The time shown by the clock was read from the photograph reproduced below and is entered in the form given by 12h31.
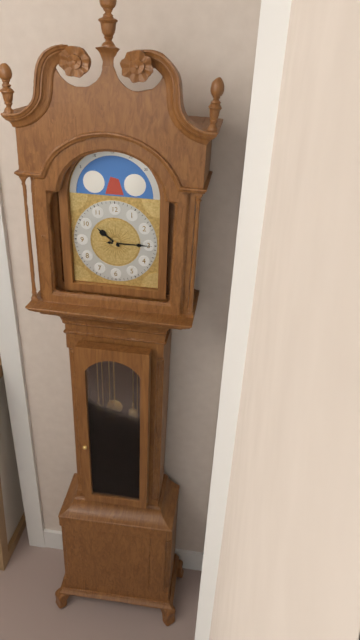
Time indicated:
10h15
